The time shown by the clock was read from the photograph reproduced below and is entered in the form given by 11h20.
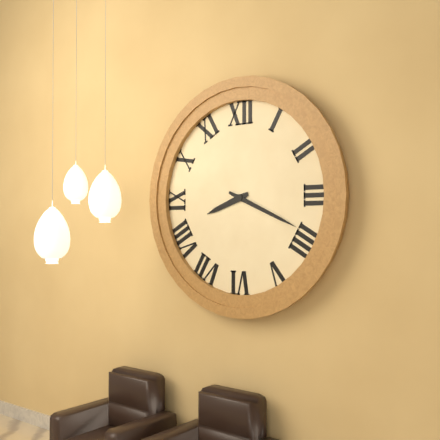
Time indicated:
8h19
